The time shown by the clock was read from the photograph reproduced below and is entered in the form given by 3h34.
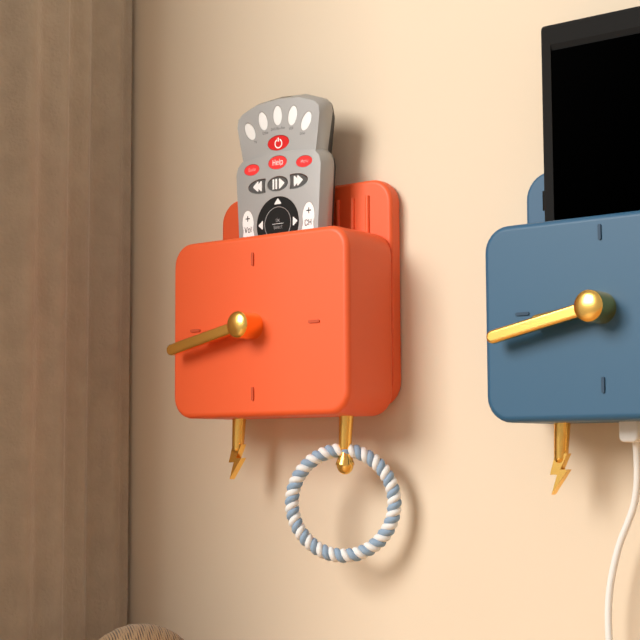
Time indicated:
8h43
